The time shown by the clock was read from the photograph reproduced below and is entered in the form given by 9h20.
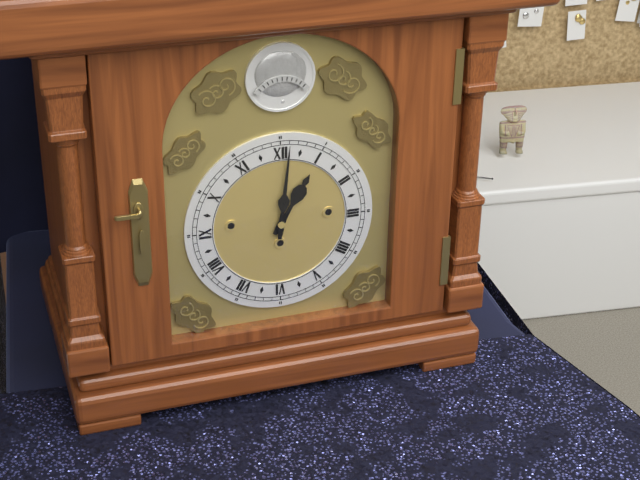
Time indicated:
1h01
